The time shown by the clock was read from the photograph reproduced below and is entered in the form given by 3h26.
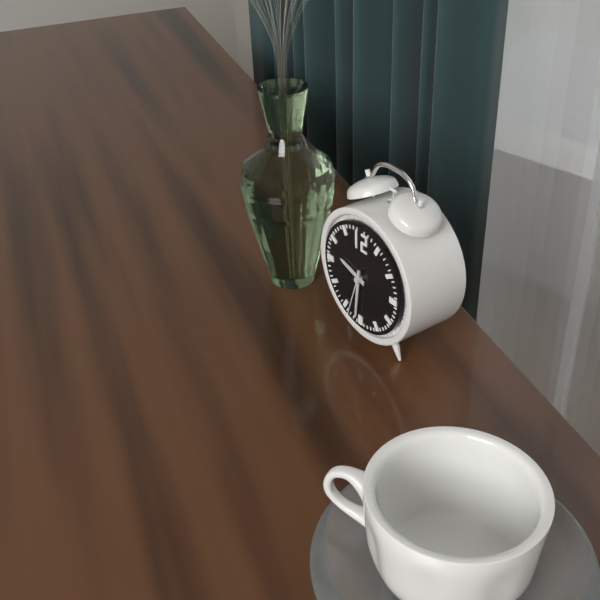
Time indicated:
9h31
